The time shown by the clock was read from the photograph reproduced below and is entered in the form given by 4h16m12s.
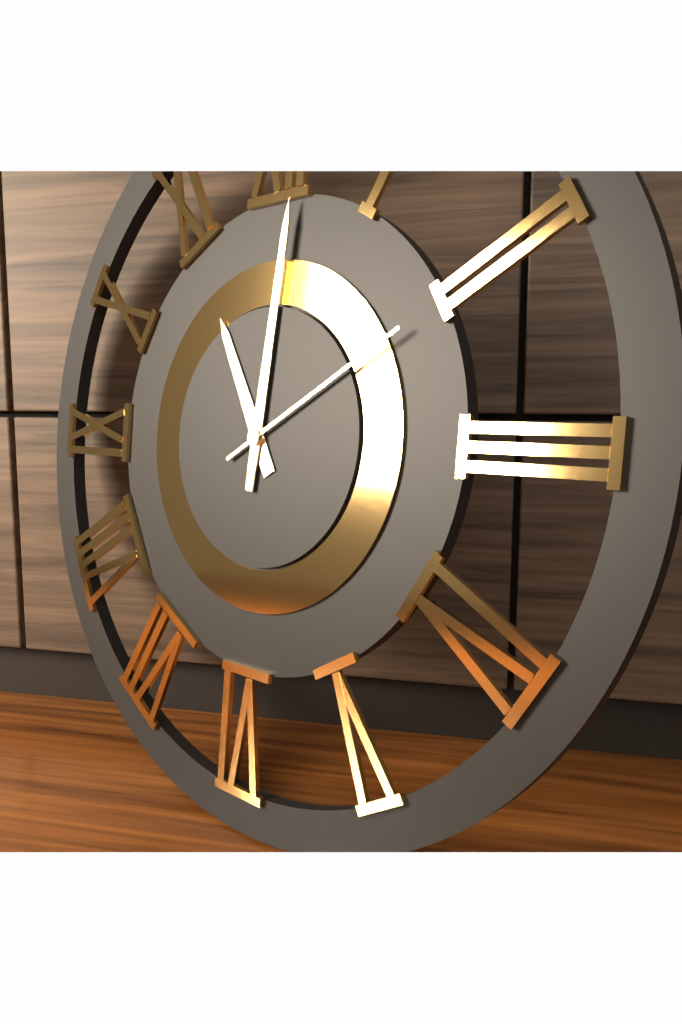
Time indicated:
11h01m10s
